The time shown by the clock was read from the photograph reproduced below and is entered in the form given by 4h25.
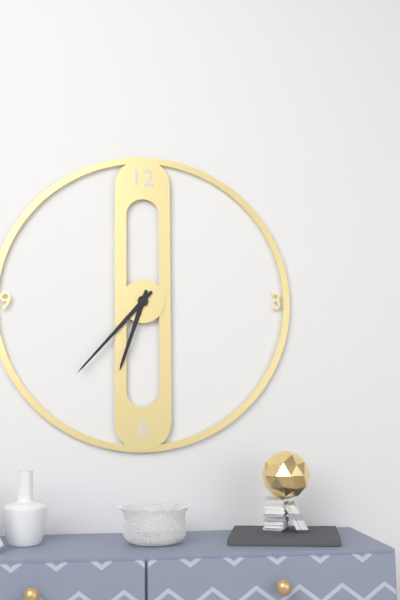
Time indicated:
6h37
